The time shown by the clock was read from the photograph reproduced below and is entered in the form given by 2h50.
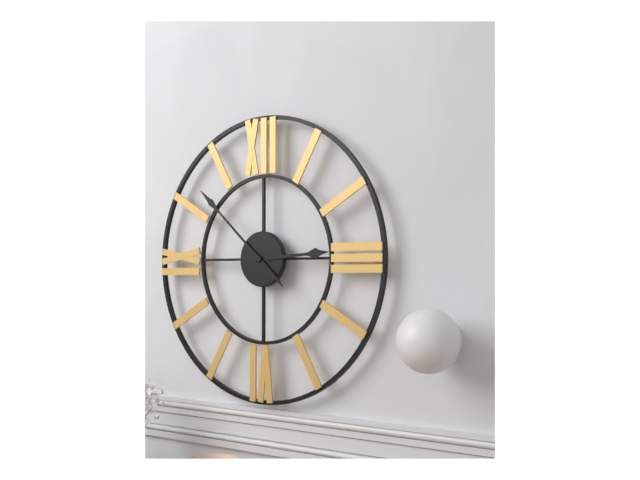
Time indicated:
2h52
